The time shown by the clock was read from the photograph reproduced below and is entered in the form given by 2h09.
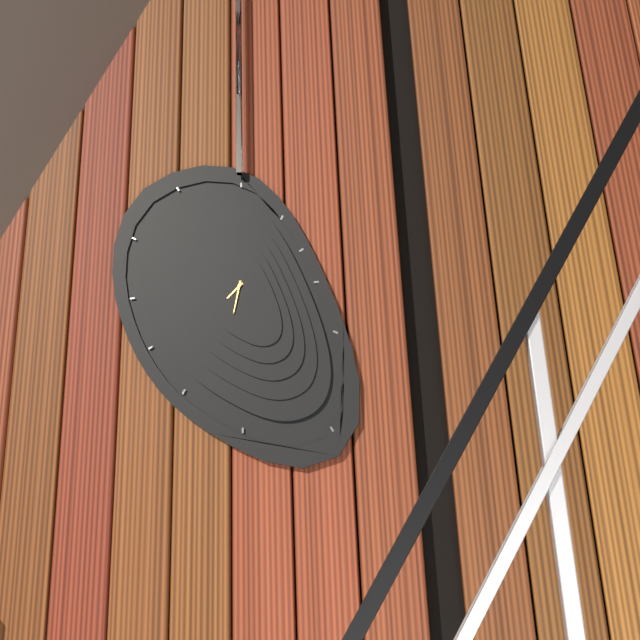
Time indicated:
7h32
